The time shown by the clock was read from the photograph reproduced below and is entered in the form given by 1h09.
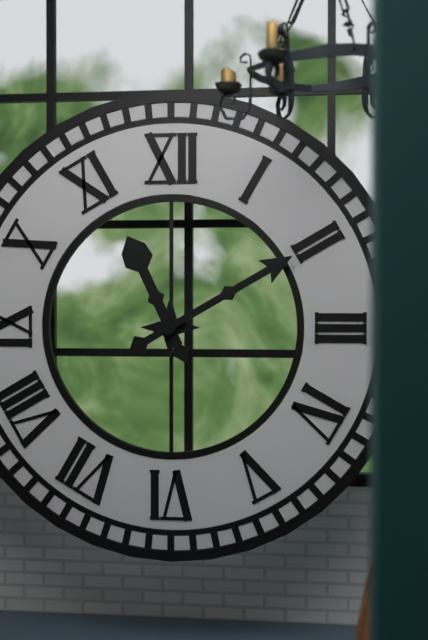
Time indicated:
11h10
